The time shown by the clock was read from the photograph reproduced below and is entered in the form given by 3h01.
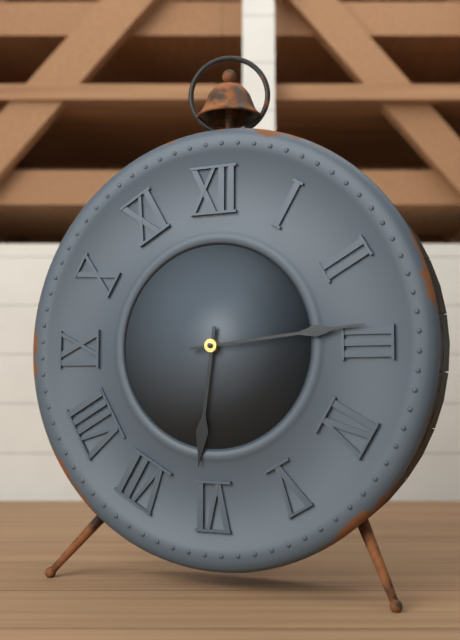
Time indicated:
6h14
